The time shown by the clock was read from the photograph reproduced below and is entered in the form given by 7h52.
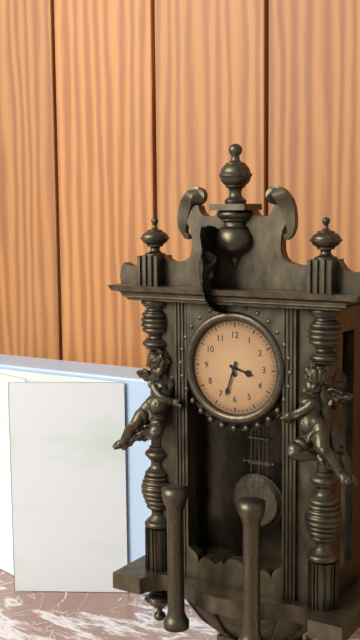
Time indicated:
3h33
